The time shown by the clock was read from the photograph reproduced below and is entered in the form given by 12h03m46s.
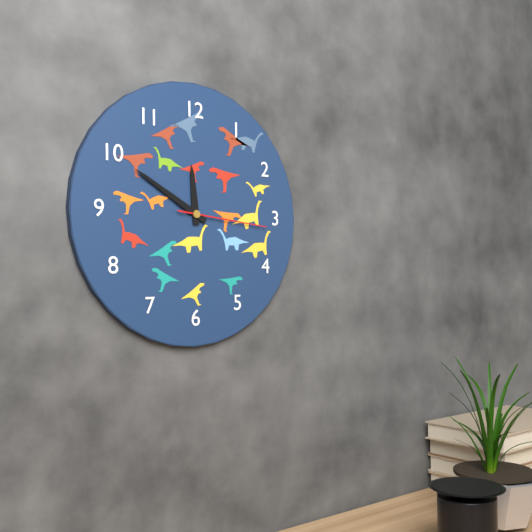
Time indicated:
11h50m16s
